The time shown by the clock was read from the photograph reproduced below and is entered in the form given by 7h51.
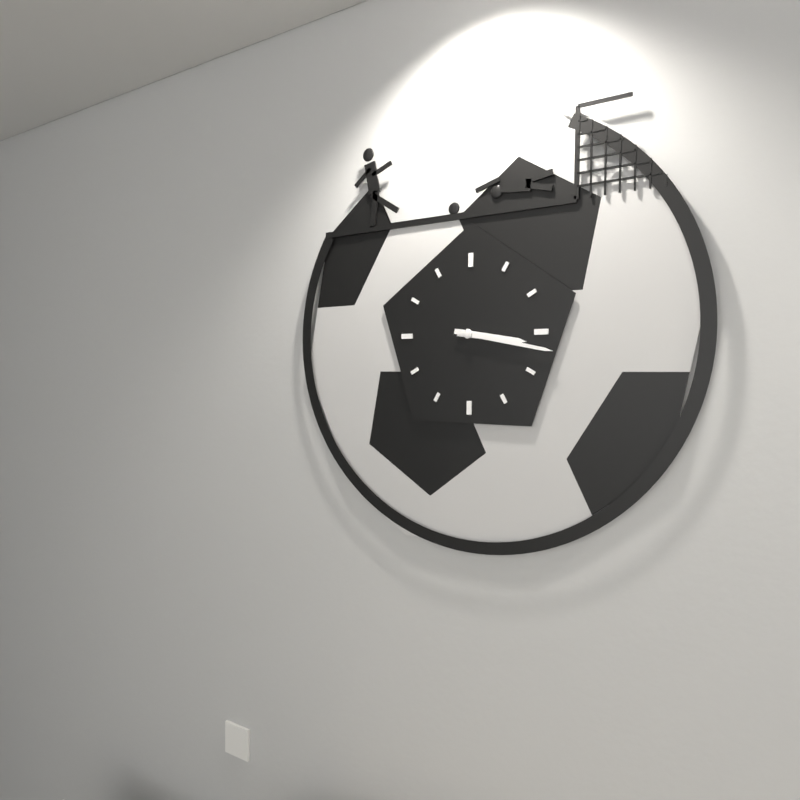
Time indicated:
3h17
